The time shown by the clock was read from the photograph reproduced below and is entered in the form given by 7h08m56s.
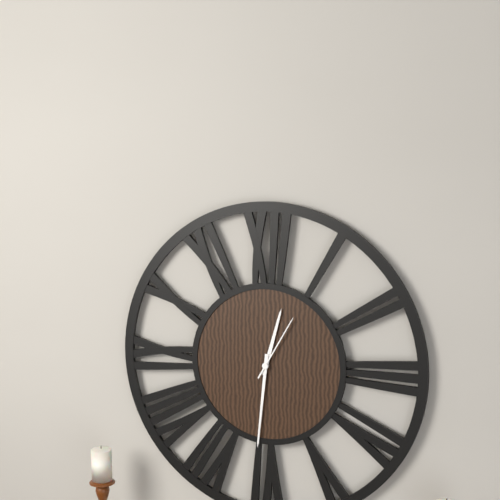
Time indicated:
12h31m05s
